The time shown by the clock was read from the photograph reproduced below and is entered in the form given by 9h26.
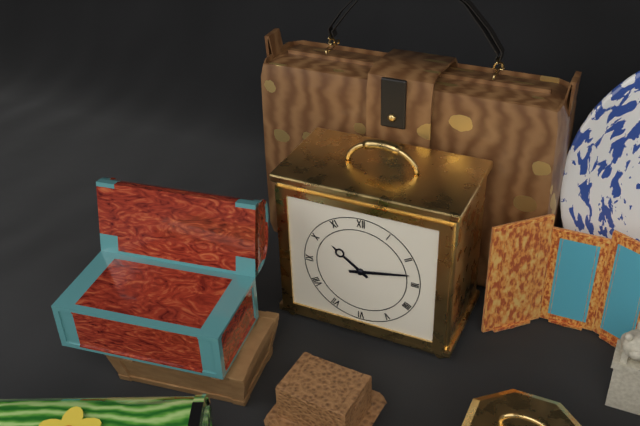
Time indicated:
10h13
